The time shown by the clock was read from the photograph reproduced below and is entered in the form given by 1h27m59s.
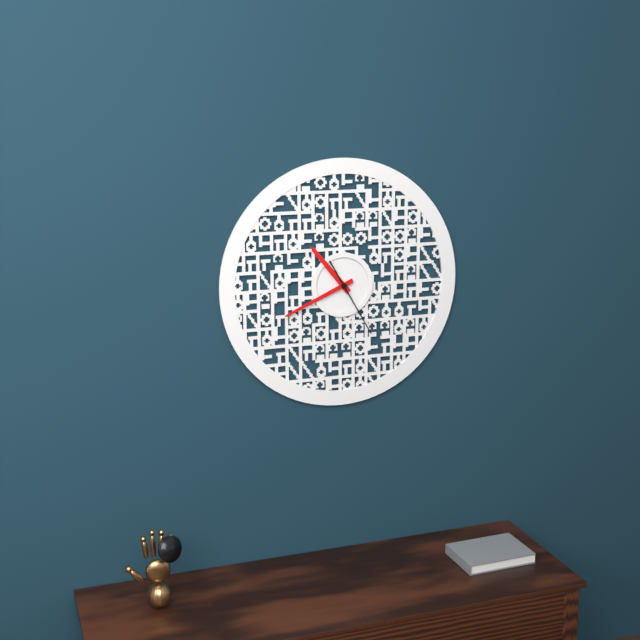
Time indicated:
10h41m25s
